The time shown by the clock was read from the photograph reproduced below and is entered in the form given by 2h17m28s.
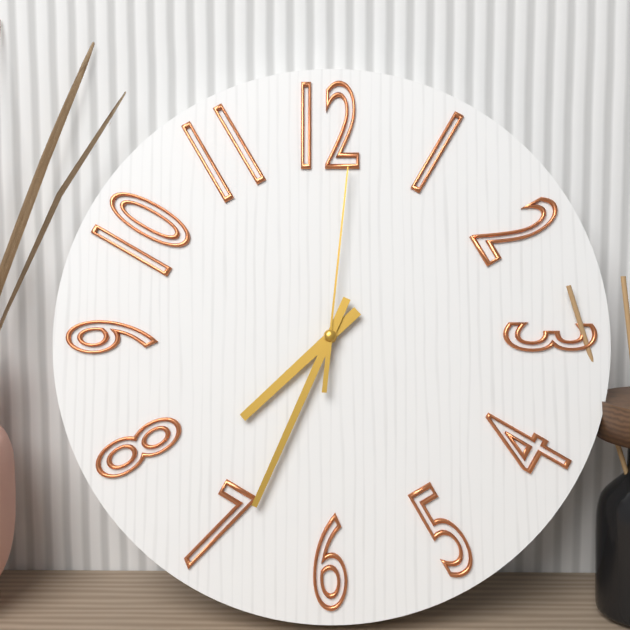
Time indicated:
7h34m01s
